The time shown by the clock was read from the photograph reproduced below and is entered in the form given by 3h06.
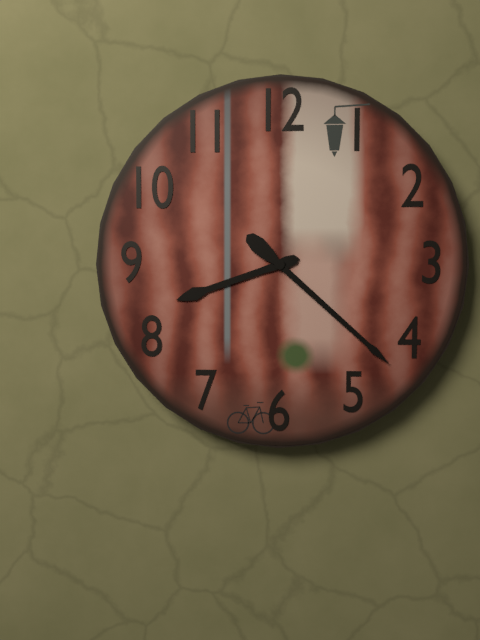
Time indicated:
8h22
